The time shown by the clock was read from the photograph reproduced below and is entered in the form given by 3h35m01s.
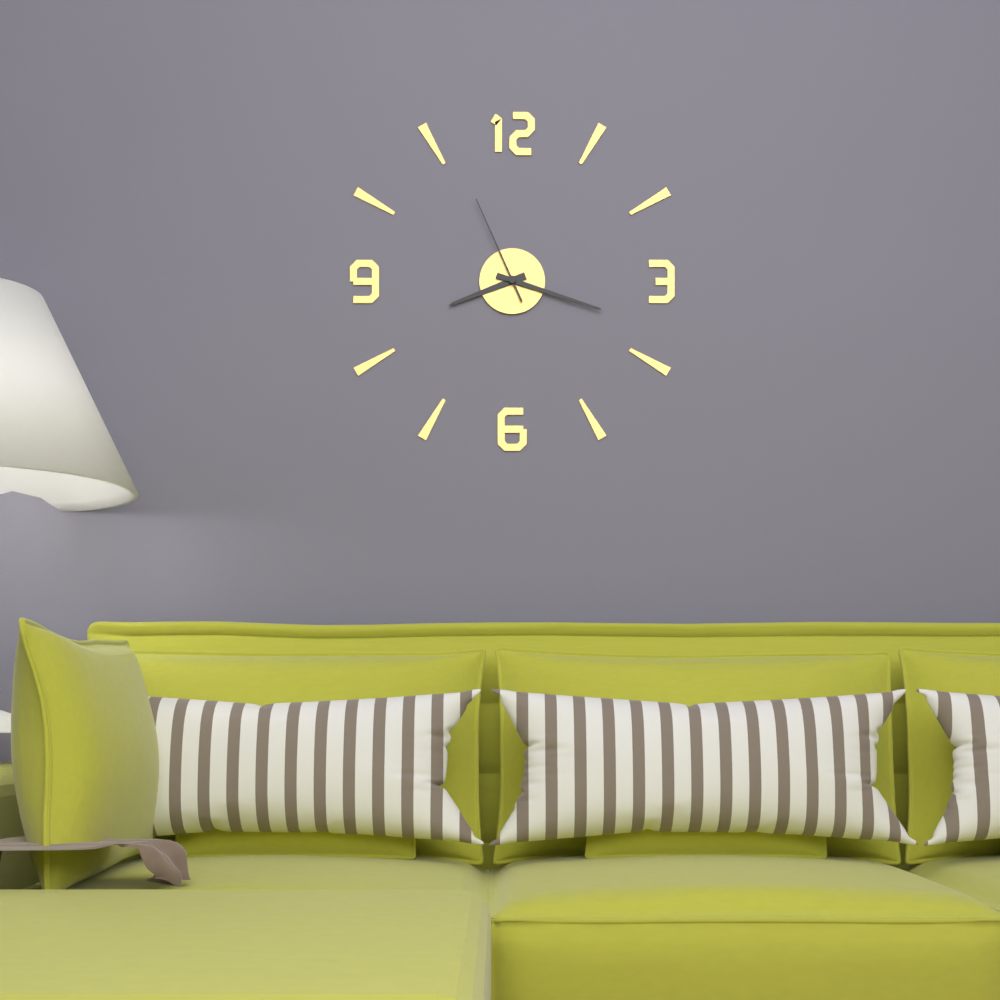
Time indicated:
8h18m56s
